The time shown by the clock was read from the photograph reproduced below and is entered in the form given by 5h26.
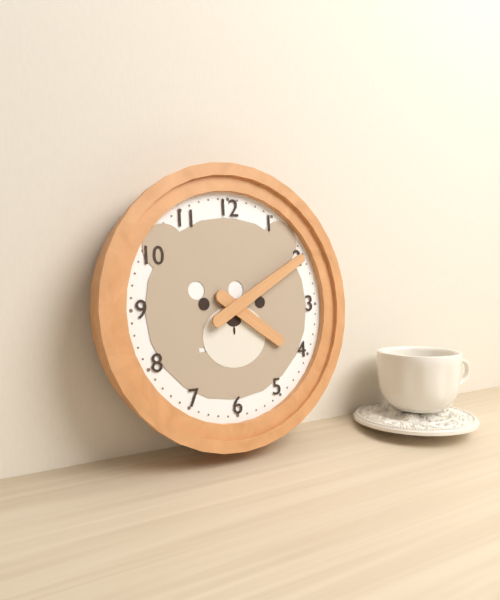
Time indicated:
4h10
